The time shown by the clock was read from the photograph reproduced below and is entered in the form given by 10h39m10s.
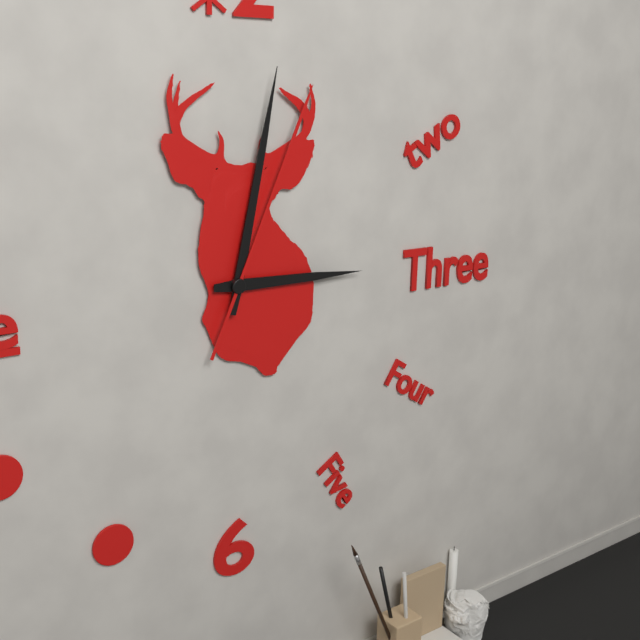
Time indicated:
3h02m04s
